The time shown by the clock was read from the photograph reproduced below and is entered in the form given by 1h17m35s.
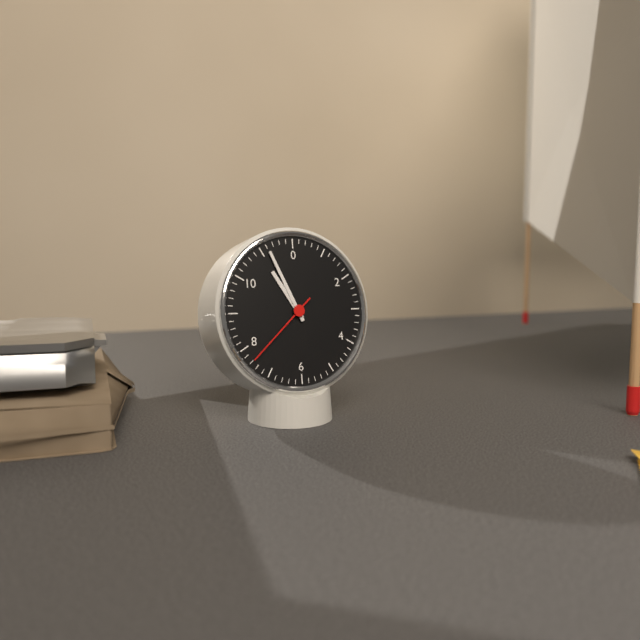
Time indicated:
10h56m38s
